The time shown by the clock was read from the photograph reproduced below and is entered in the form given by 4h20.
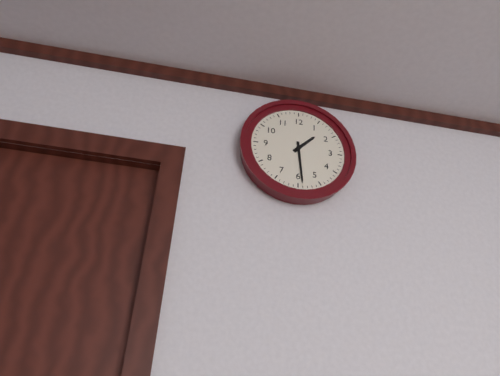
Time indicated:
1h29
